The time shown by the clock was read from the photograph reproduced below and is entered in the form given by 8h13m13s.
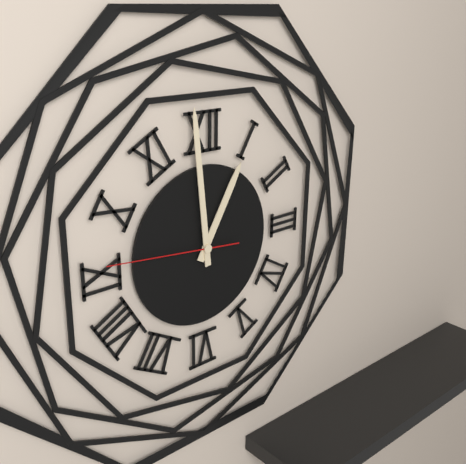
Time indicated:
12h59m46s
